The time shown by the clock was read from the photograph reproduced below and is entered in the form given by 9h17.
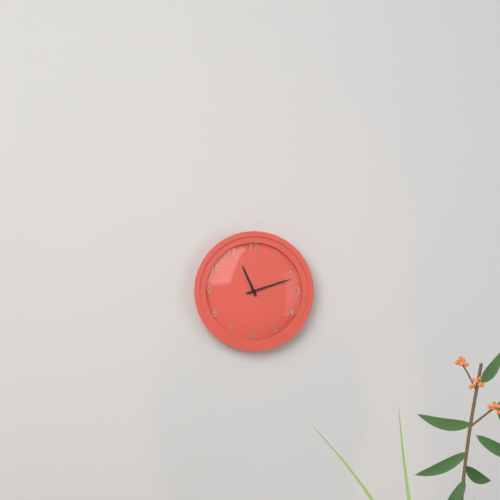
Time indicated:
11h12
